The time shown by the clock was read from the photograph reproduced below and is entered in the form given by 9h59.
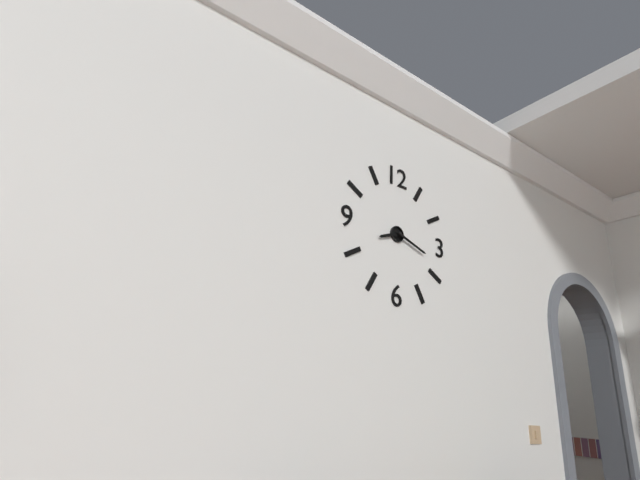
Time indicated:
8h18
